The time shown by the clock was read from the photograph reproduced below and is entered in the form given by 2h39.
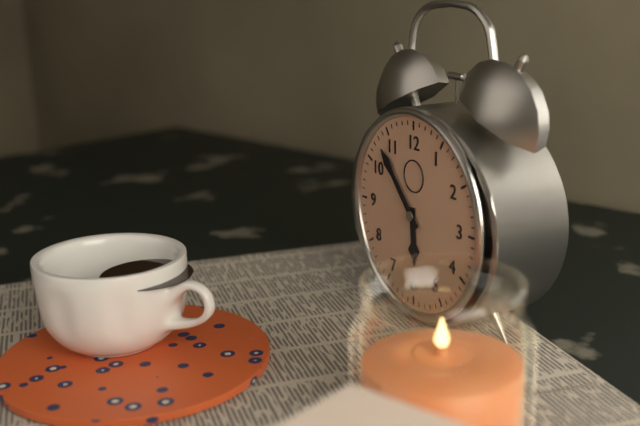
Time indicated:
5h53
